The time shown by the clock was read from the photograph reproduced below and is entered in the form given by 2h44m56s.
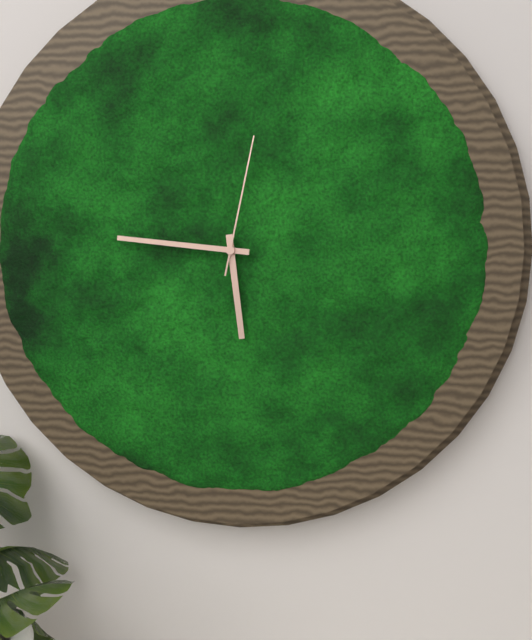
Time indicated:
5h46m02s
